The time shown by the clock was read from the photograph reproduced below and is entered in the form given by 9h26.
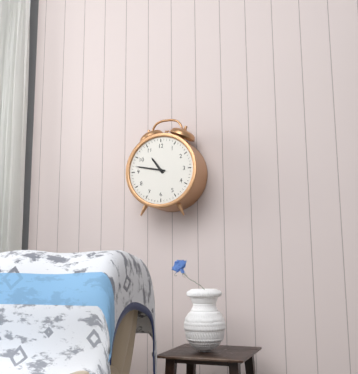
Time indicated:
10h47
